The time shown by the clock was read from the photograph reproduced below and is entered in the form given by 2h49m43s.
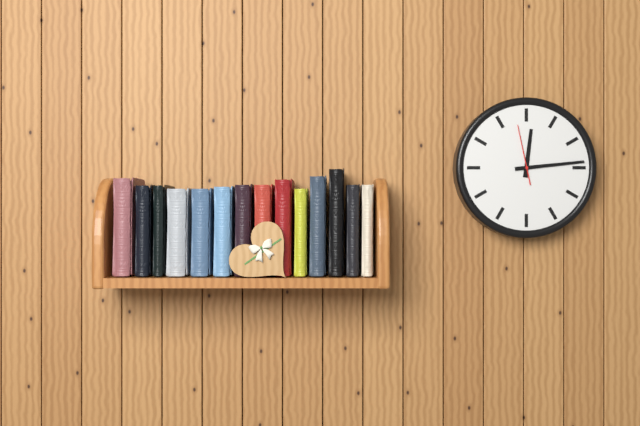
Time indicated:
12h14m58s
